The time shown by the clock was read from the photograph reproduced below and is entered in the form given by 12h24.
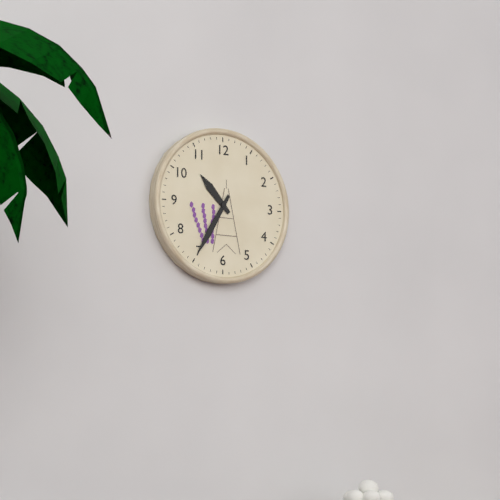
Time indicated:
10h35
